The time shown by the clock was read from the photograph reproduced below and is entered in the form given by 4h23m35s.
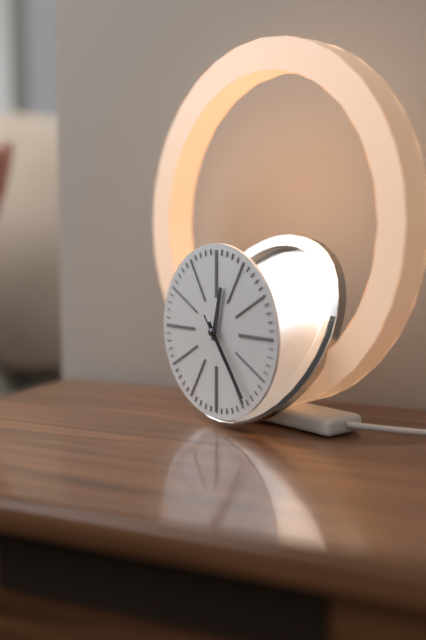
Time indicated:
12h24m24s
